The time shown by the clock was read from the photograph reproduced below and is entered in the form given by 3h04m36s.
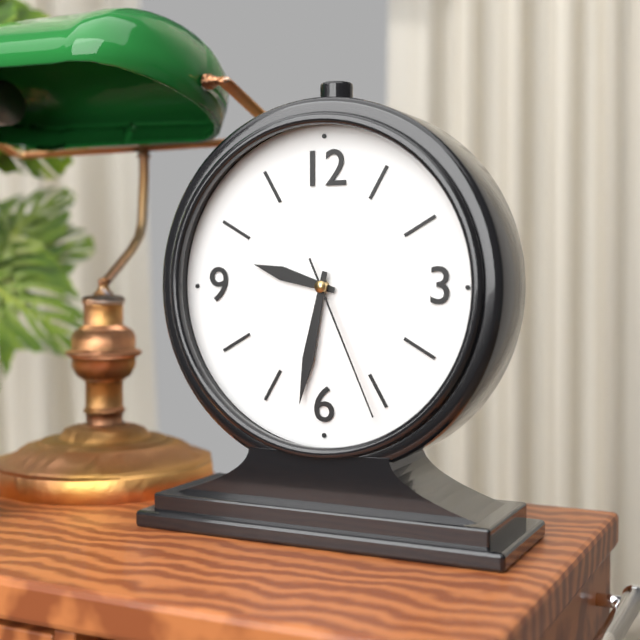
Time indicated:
9h32m26s
